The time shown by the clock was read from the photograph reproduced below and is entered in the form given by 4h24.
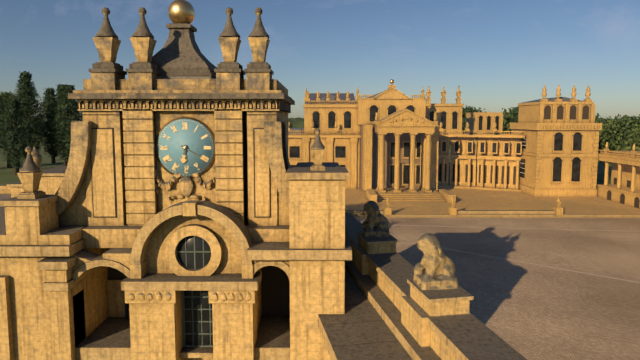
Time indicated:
6h20
